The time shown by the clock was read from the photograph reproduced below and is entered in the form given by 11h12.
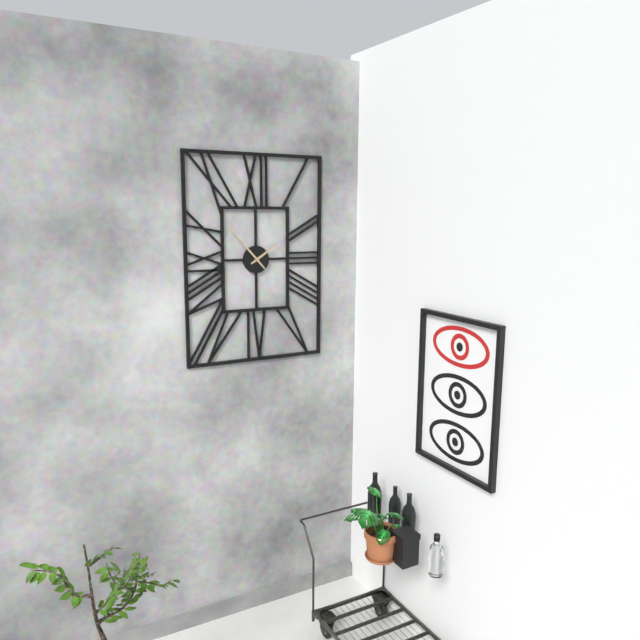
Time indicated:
1h53
